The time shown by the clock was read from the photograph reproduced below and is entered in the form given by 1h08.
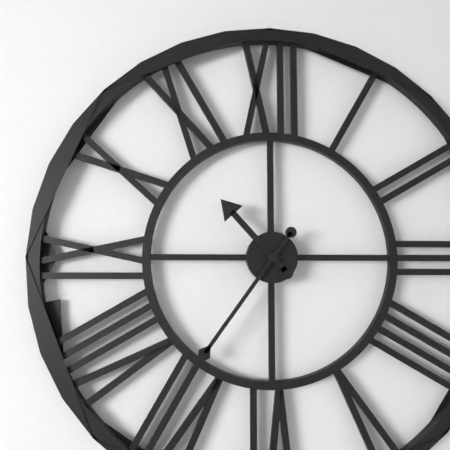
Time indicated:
10h36
